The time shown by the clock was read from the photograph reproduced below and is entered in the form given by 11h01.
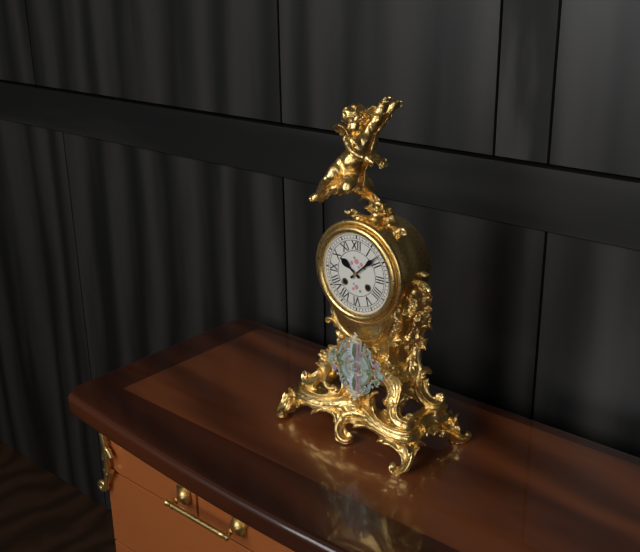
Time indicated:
10h08
